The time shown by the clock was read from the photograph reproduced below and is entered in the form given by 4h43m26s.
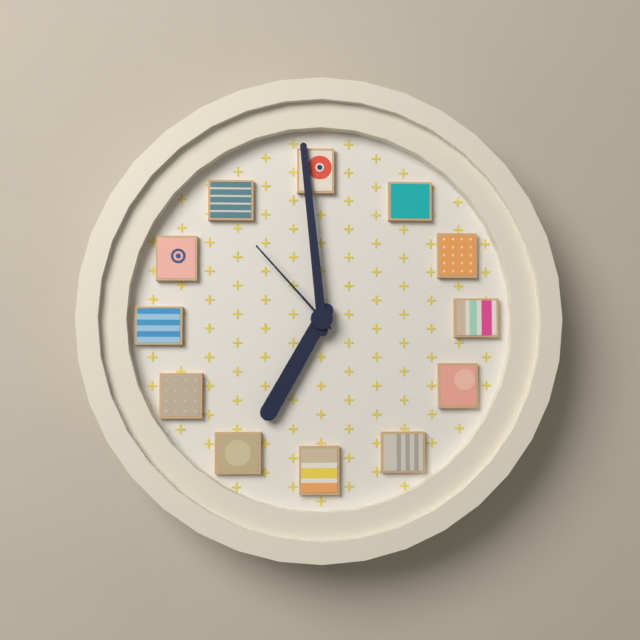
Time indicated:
6h59m53s
